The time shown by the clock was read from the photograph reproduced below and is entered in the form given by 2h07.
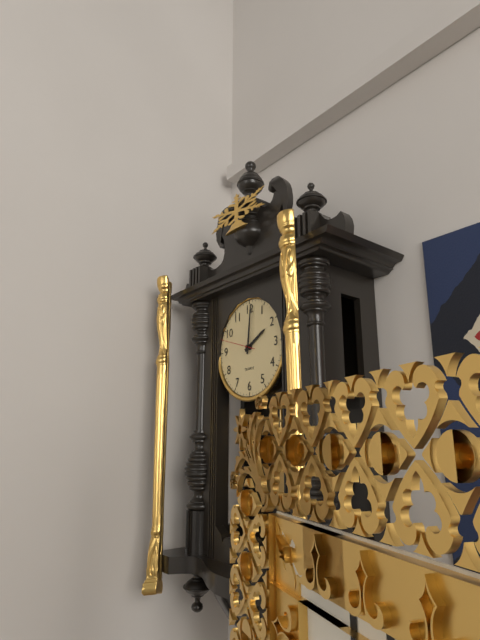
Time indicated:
2h01
